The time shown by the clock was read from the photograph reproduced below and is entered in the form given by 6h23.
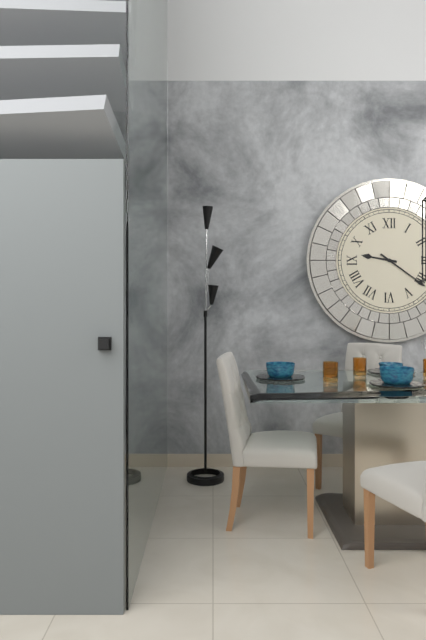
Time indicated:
9h21
